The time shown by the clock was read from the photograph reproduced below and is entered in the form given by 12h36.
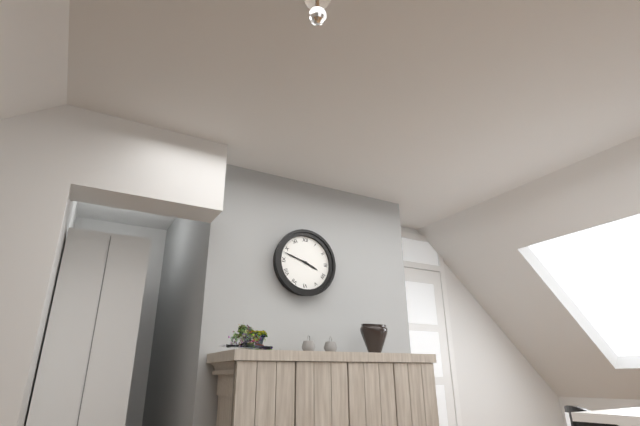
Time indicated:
3h48
